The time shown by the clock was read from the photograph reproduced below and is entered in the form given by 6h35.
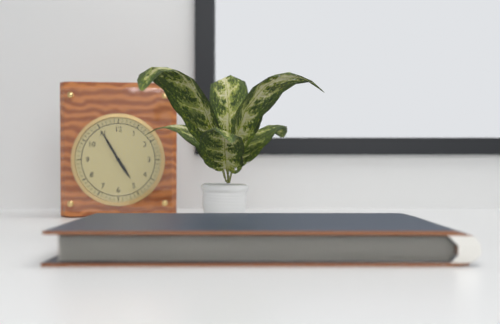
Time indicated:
4h55
